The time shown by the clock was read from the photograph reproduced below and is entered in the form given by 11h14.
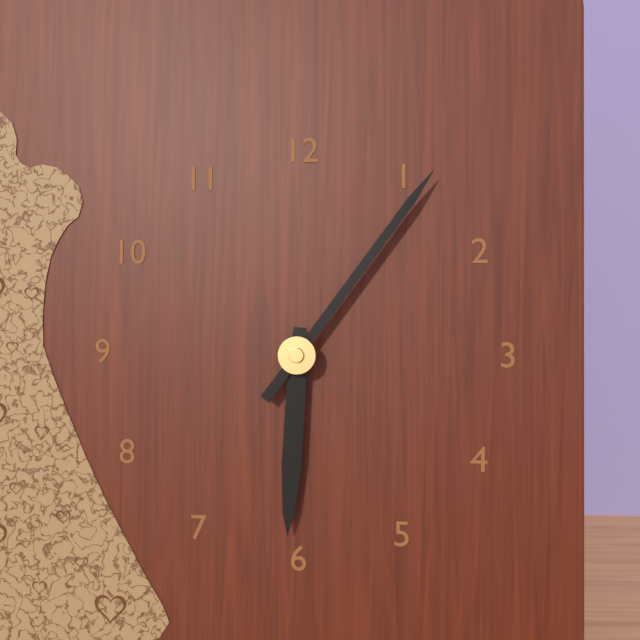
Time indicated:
6h06
